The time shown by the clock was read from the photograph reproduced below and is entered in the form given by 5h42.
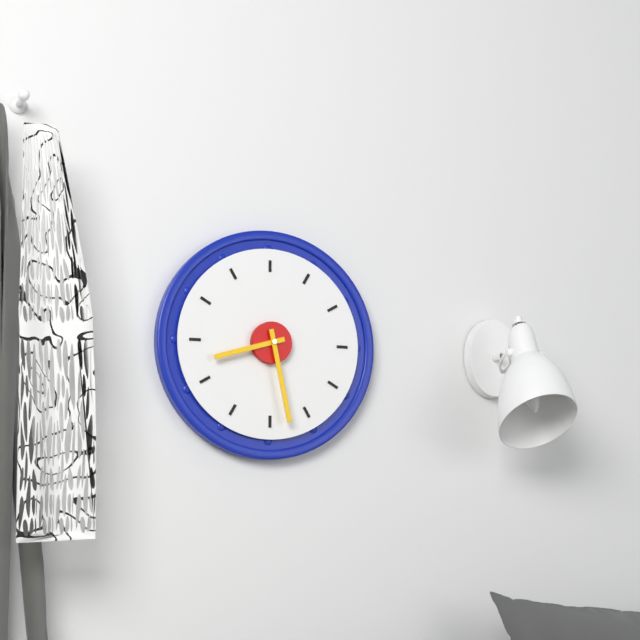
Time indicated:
8h28
